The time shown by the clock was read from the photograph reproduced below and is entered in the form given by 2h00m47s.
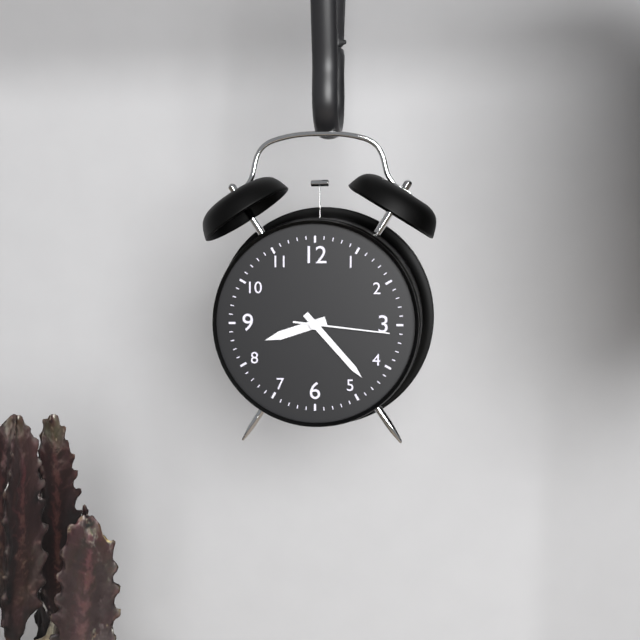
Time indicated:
8h23m16s
